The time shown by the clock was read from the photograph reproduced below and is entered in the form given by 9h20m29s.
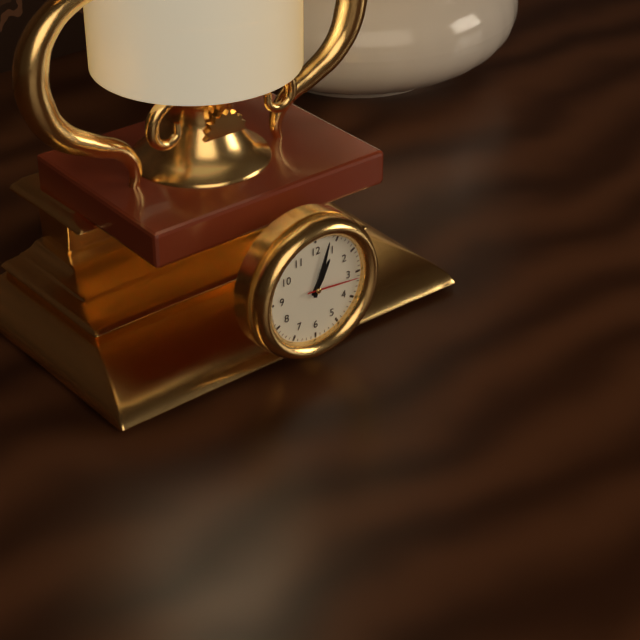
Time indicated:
1h03m16s
